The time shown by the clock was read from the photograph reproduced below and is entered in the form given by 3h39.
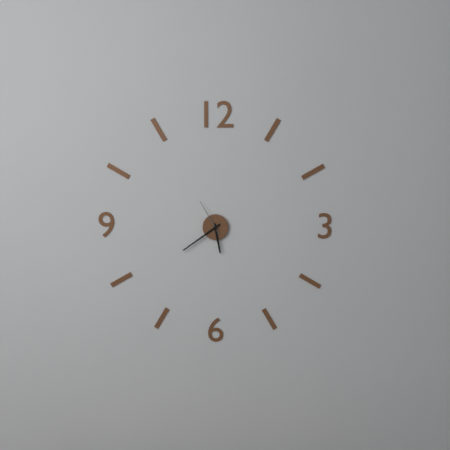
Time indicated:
5h39
